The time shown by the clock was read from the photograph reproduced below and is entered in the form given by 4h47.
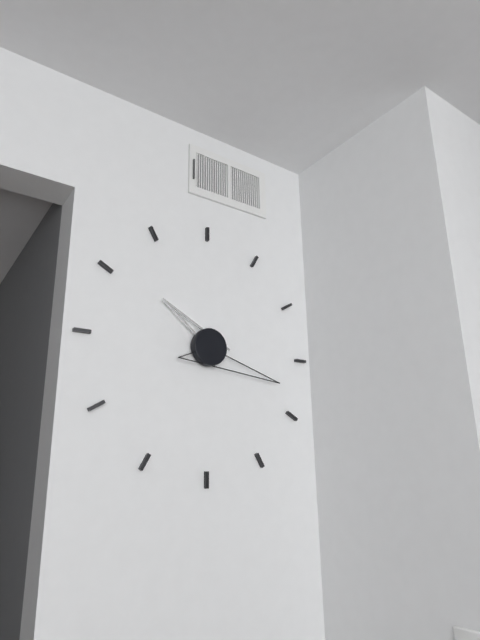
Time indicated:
10h18
